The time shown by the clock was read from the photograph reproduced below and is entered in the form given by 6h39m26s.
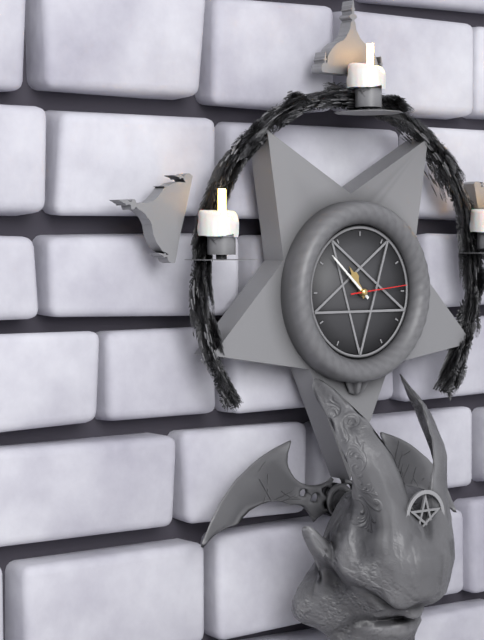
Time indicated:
10h52m14s
